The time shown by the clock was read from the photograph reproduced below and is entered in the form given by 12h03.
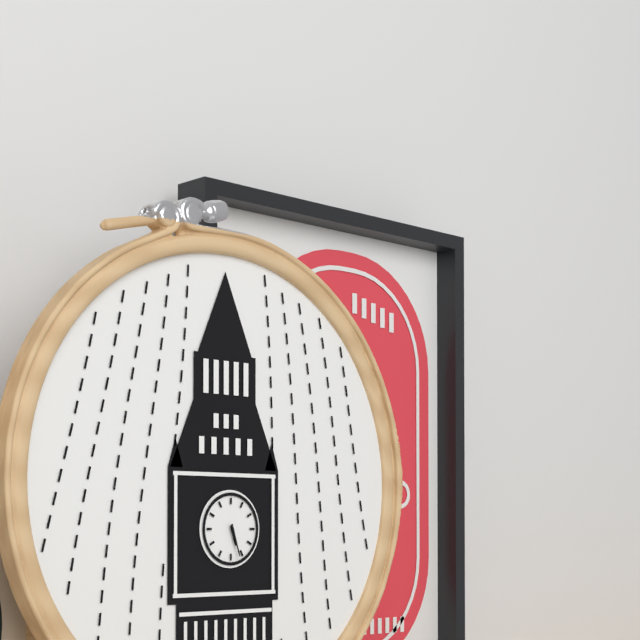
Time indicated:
5h27
